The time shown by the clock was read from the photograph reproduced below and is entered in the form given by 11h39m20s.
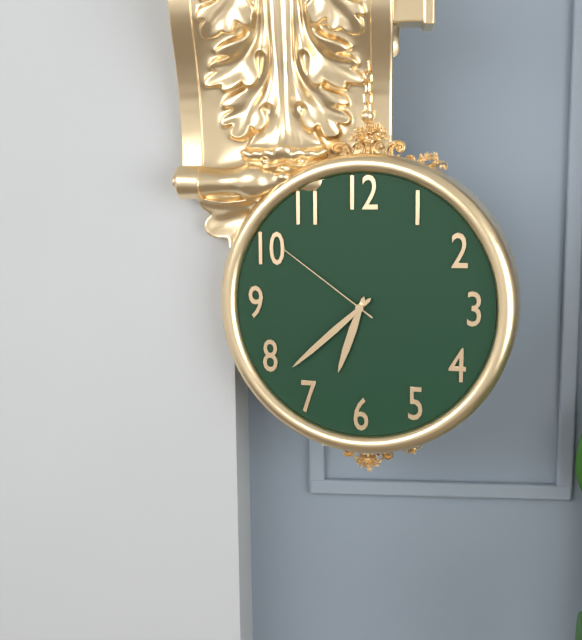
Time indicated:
6h38m51s
